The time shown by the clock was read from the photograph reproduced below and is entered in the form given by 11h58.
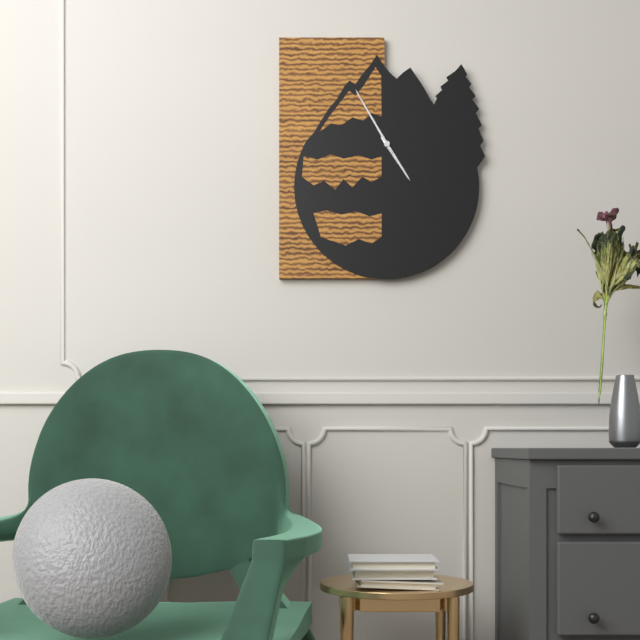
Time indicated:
4h55
